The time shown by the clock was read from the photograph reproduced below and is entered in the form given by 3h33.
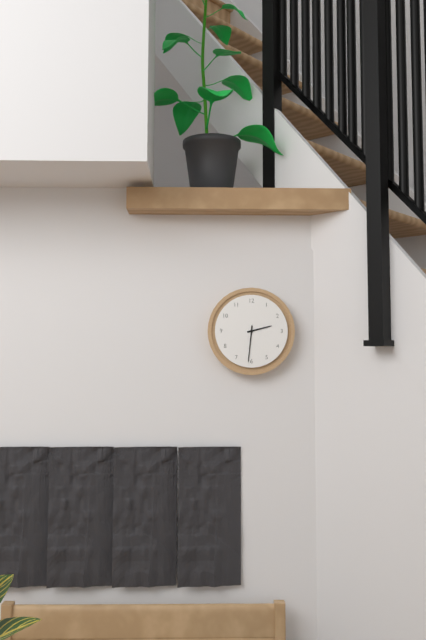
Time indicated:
2h31
